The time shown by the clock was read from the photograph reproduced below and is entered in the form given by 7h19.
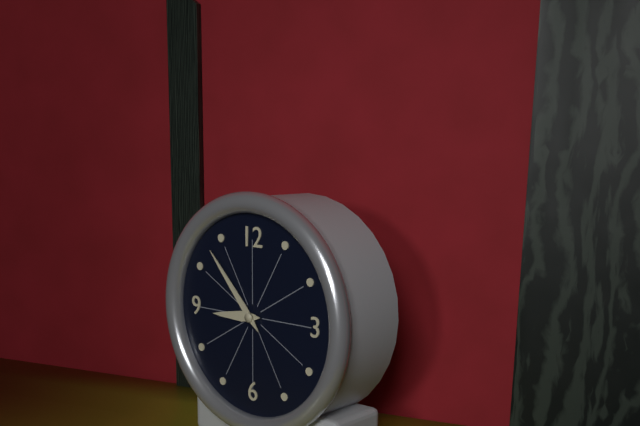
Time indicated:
8h53
